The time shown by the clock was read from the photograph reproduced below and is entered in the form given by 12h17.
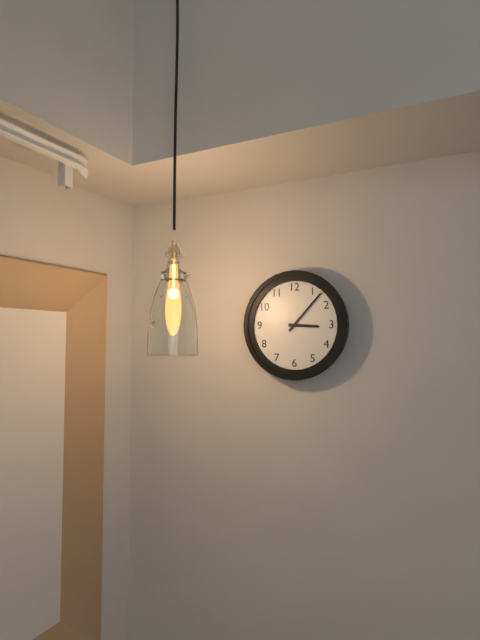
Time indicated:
3h07
